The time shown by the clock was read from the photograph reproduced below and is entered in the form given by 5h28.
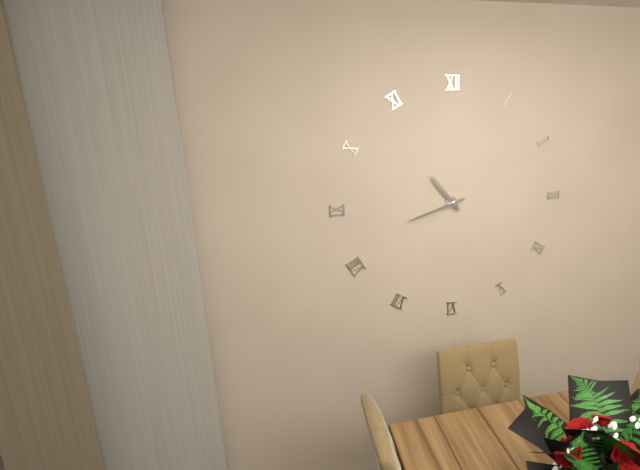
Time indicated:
10h42
